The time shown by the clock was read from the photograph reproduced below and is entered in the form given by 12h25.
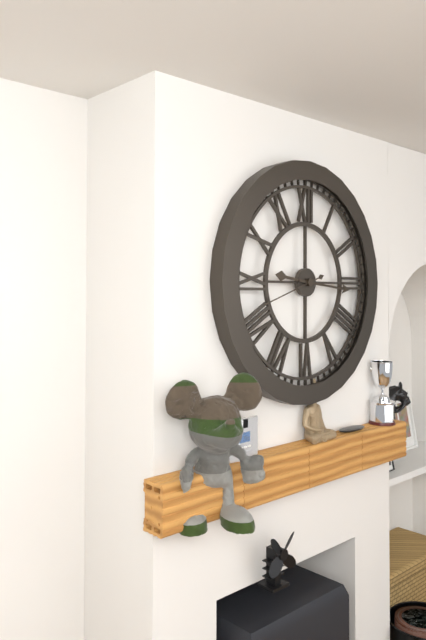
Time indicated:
9h16
